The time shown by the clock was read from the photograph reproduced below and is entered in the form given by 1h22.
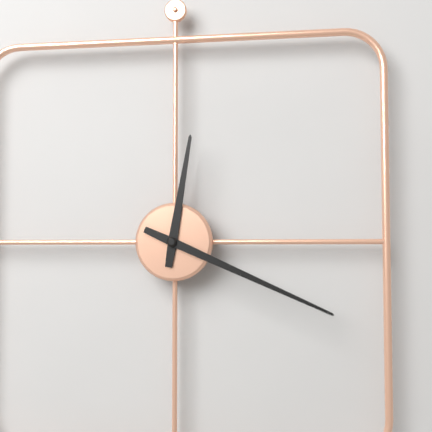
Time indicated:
12h19
